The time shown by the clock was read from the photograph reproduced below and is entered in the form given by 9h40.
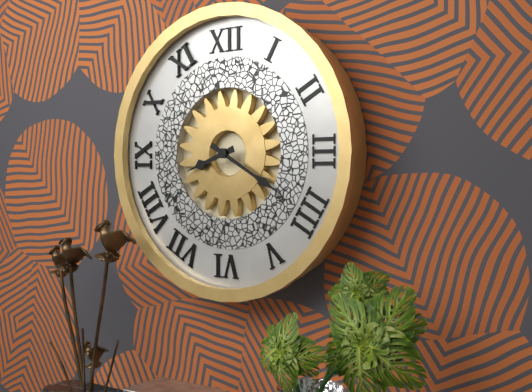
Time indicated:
8h20
